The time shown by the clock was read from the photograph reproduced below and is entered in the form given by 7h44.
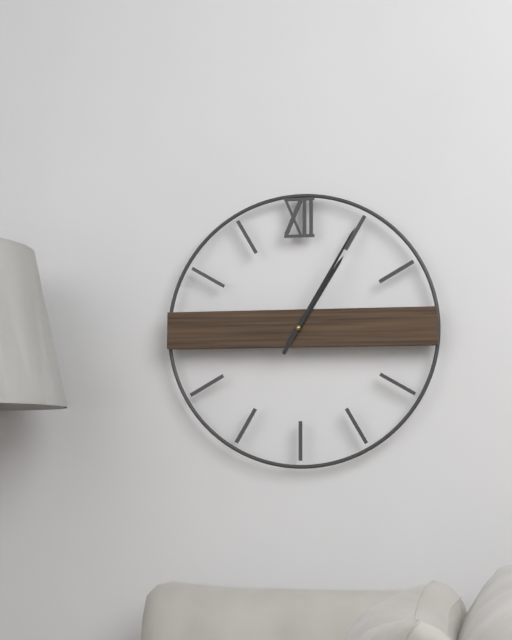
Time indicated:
1h05
